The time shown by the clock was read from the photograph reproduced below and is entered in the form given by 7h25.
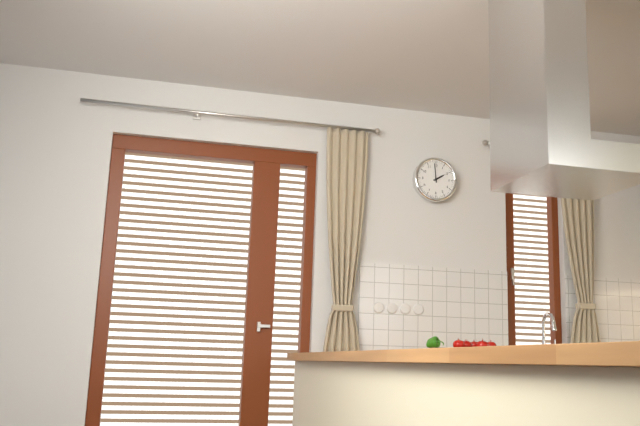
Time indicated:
1h59
